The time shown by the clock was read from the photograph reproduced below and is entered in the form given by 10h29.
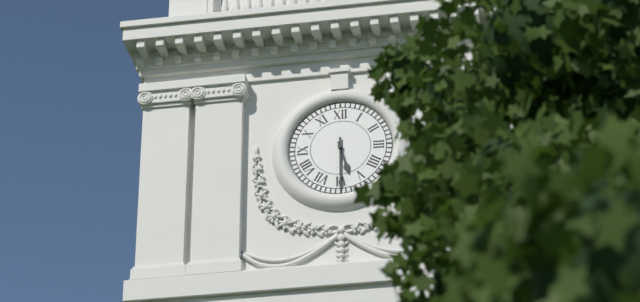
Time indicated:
5h30
